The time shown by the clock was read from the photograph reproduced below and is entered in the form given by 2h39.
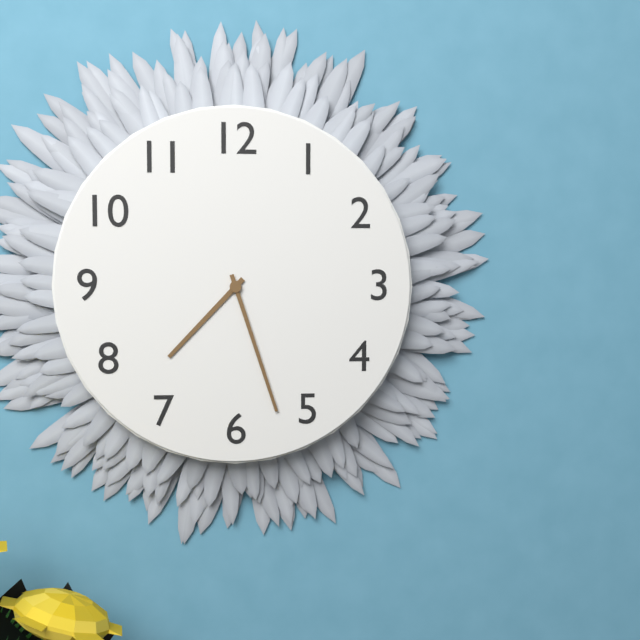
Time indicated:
7h27
